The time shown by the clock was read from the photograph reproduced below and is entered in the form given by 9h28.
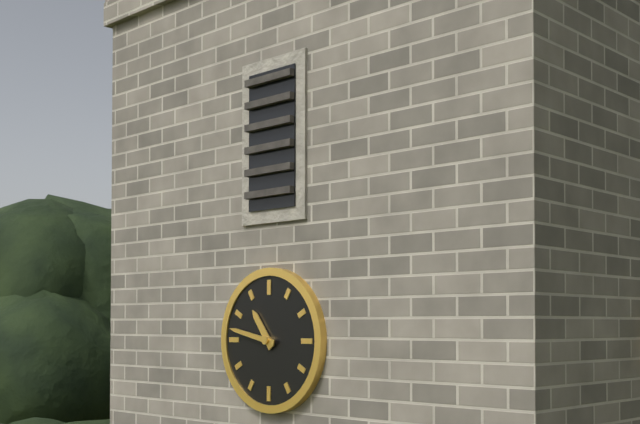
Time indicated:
10h47
